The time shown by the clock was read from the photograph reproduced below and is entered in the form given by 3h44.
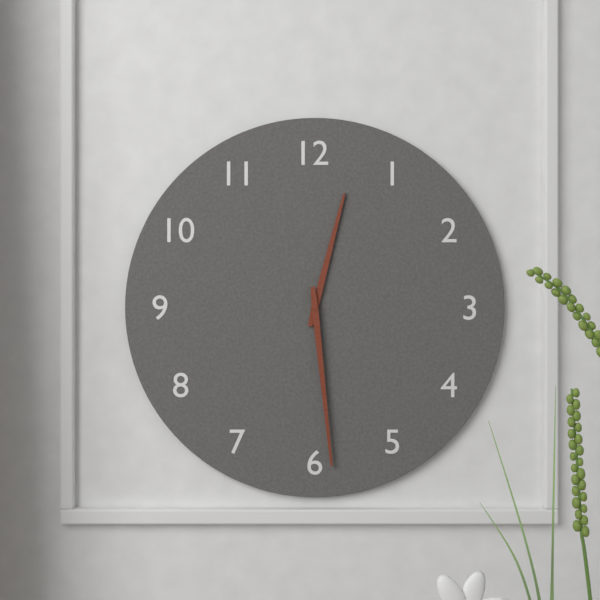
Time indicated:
12h29
